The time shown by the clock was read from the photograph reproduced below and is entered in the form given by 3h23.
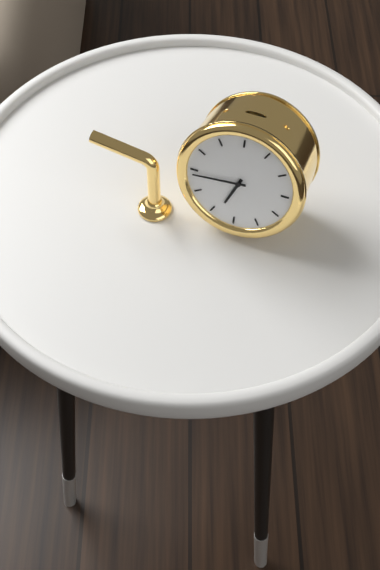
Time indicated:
6h44
